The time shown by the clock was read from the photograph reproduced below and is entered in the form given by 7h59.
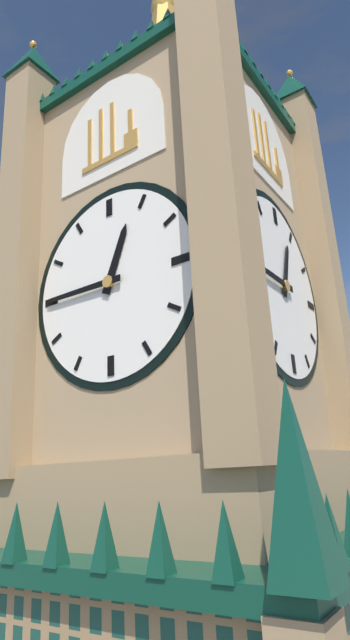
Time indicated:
12h45
